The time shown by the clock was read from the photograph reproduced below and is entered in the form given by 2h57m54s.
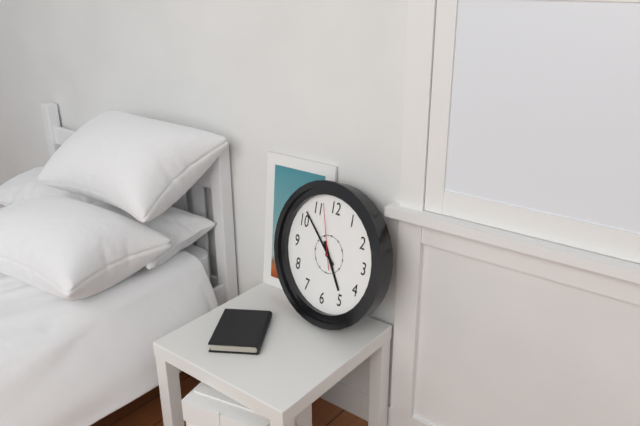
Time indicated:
4h52m57s
